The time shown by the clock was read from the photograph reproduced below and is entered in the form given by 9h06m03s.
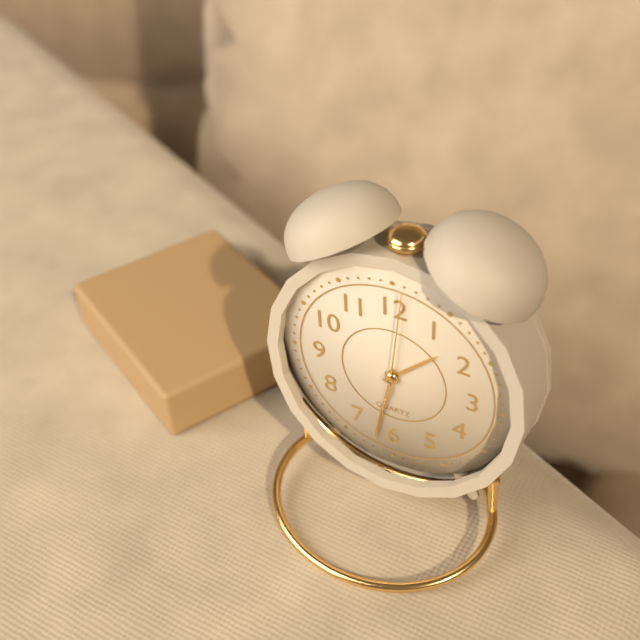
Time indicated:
1h32m01s
